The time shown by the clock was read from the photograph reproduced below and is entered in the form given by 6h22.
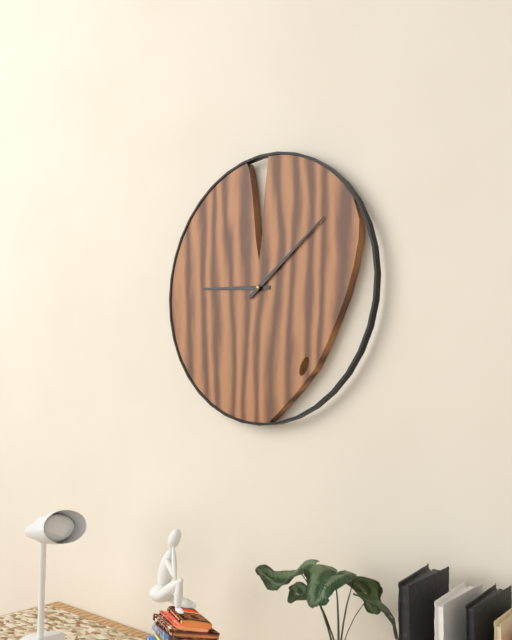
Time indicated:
9h09
